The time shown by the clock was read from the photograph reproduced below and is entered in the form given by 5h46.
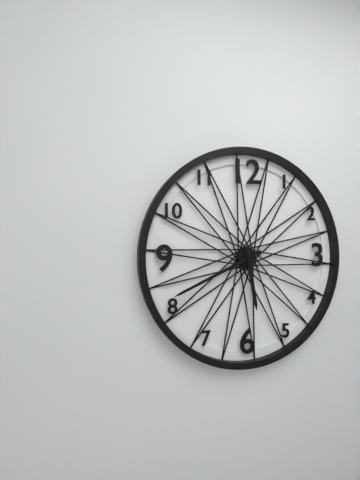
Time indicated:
5h41
